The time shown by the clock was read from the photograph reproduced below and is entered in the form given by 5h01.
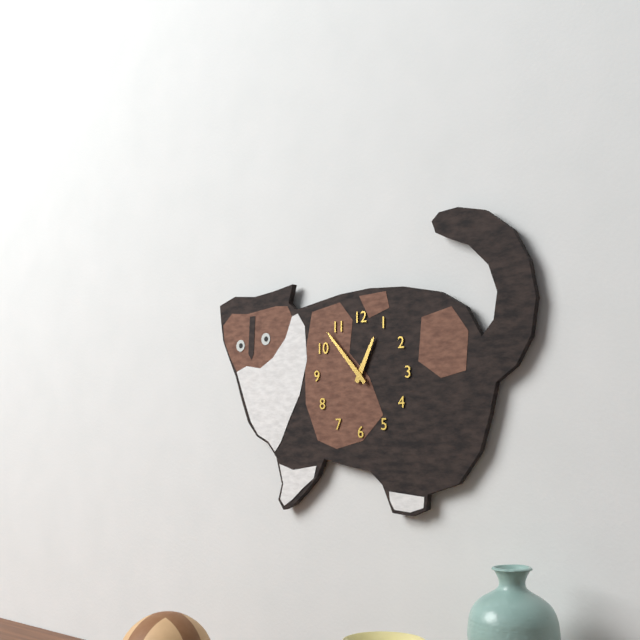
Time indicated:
12h53
